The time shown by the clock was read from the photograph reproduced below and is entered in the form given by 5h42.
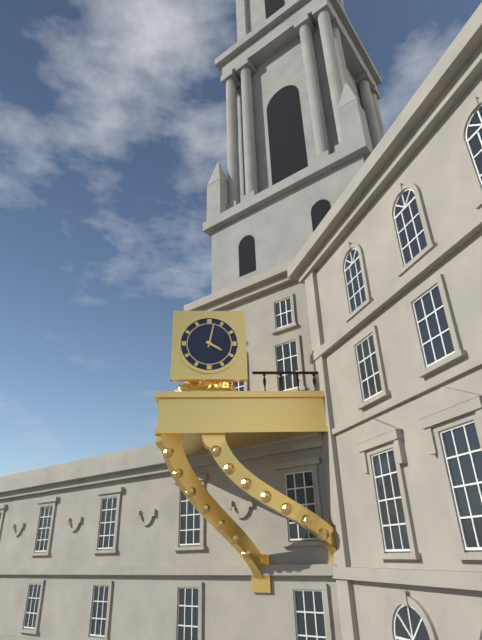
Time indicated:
4h02
